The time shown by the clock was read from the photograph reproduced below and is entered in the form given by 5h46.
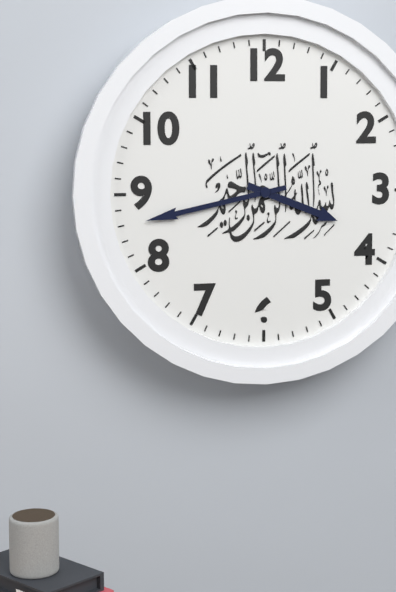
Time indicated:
3h43
